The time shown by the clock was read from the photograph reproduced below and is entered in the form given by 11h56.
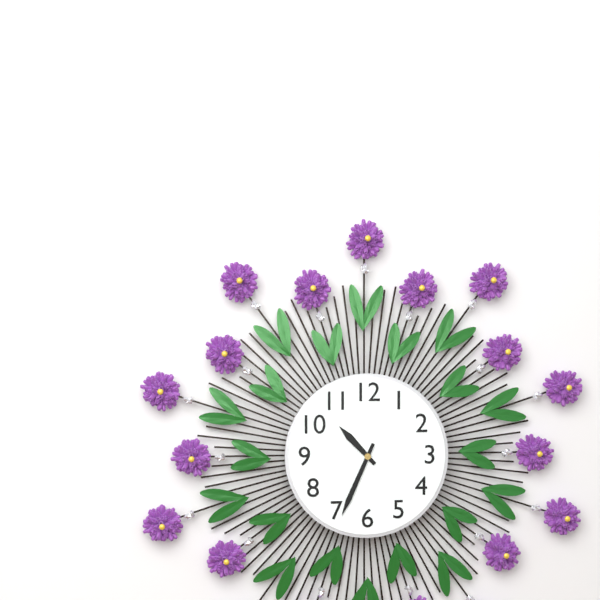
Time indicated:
10h34
